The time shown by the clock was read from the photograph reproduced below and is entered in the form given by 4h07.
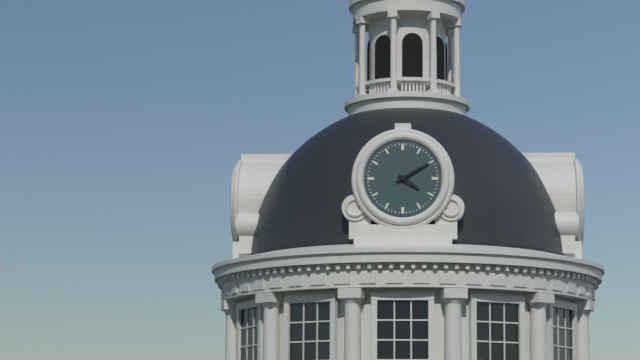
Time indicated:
4h10
